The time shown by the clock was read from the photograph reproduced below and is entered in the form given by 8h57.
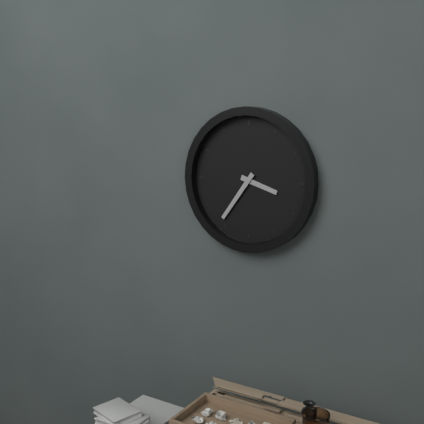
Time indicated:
3h36
